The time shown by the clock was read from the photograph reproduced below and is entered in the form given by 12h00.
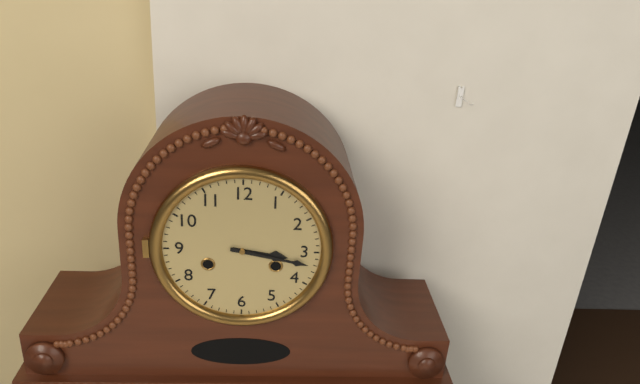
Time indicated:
3h17
